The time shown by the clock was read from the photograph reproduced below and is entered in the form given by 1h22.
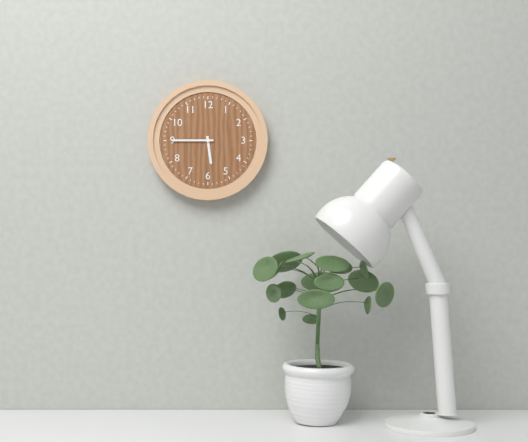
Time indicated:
5h45
